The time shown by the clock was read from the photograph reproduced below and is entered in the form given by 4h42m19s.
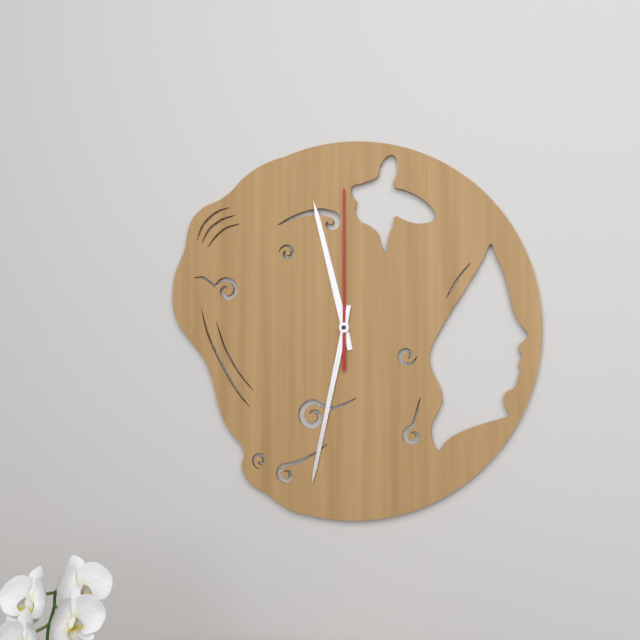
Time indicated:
11h32m00s
